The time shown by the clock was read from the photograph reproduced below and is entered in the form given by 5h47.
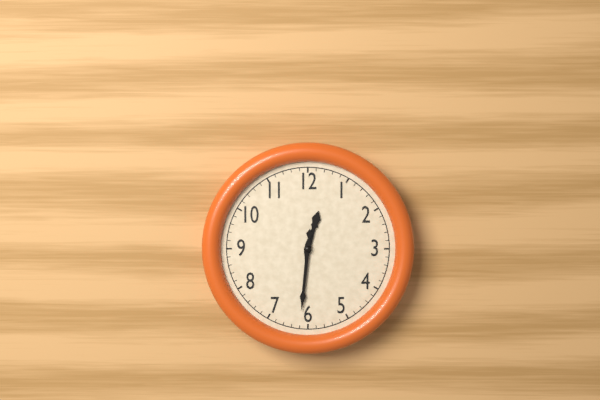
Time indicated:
12h31
